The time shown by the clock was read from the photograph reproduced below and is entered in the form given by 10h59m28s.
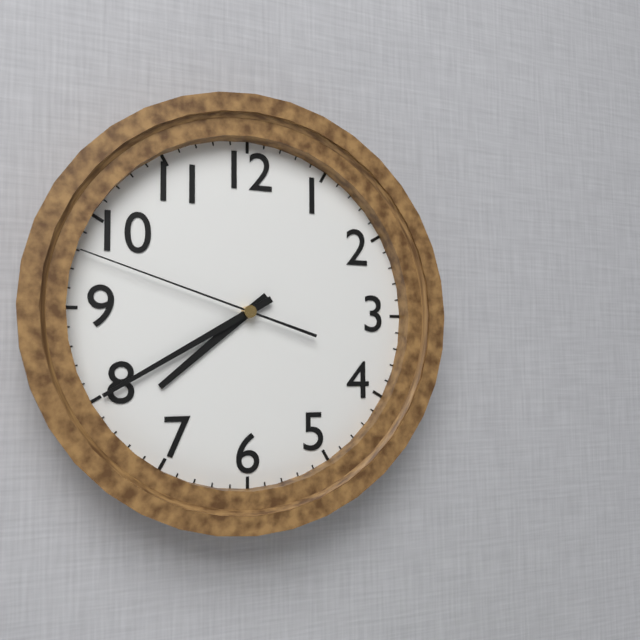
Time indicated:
7h40m48s
